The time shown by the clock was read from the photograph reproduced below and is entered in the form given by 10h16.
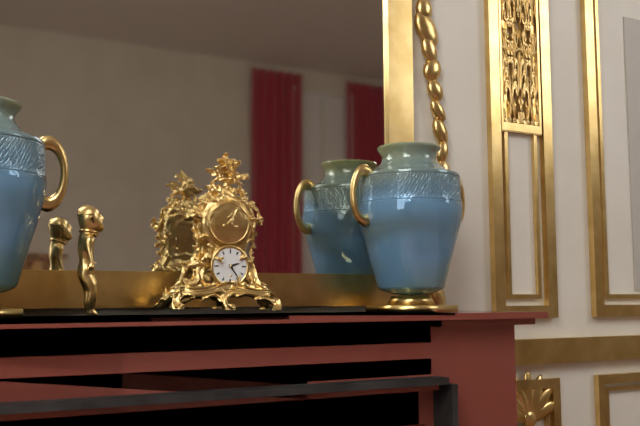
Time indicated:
2h24
